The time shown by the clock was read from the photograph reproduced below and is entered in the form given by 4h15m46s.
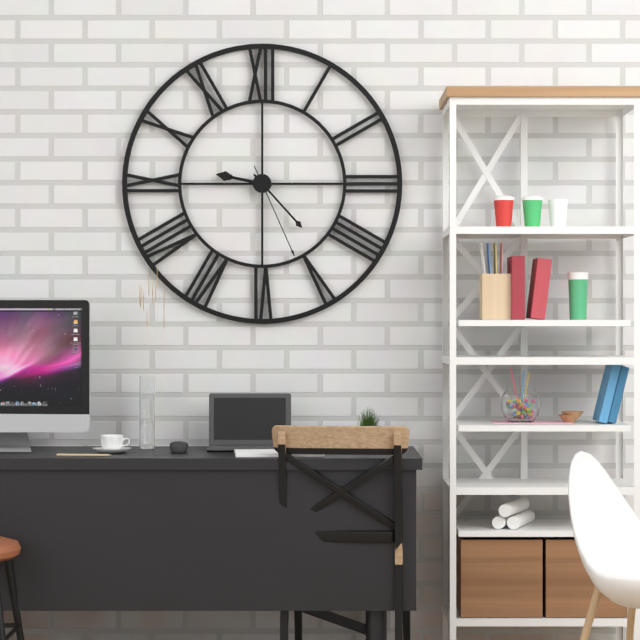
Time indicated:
9h23m26s
